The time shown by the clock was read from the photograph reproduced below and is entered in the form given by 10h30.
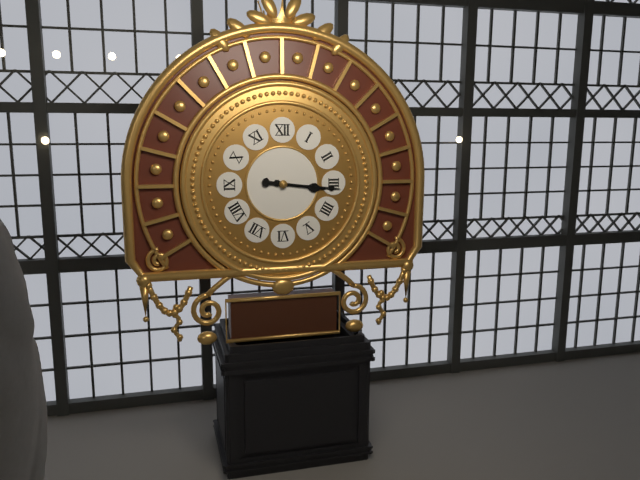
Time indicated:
3h16
